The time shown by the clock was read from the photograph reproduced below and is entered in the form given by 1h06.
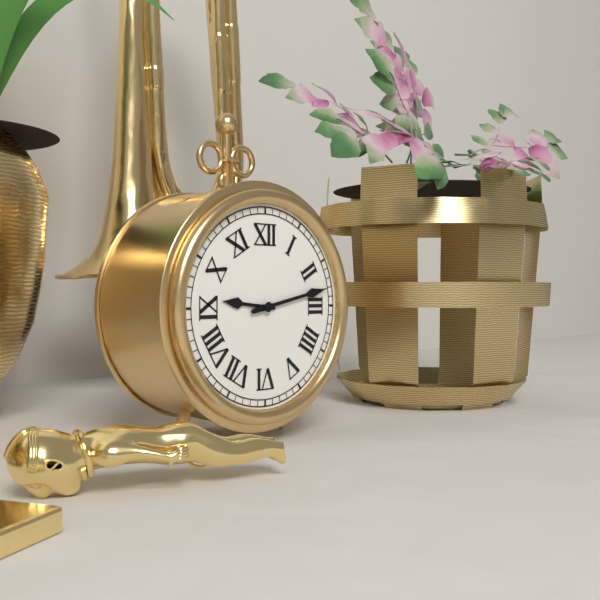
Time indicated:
9h13
